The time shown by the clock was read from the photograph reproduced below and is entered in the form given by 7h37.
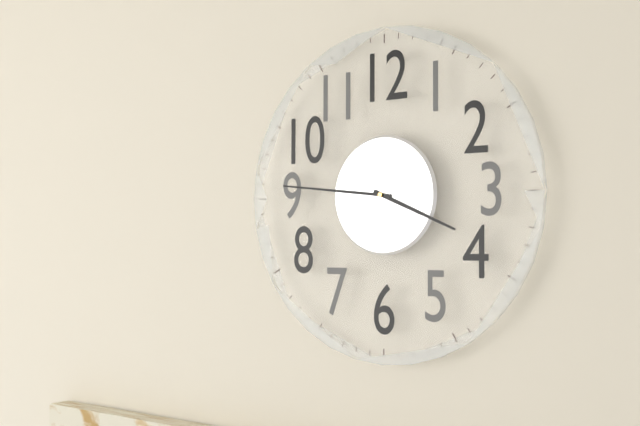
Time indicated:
3h46
